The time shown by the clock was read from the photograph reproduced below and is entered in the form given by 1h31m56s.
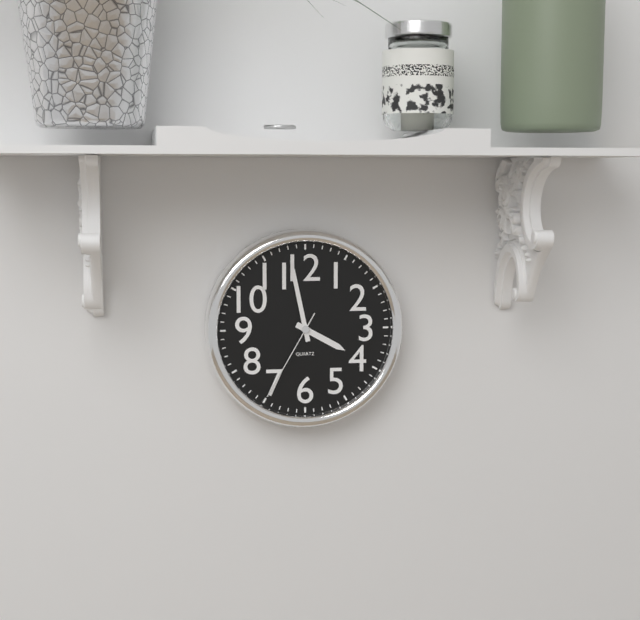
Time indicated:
3h58m35s
